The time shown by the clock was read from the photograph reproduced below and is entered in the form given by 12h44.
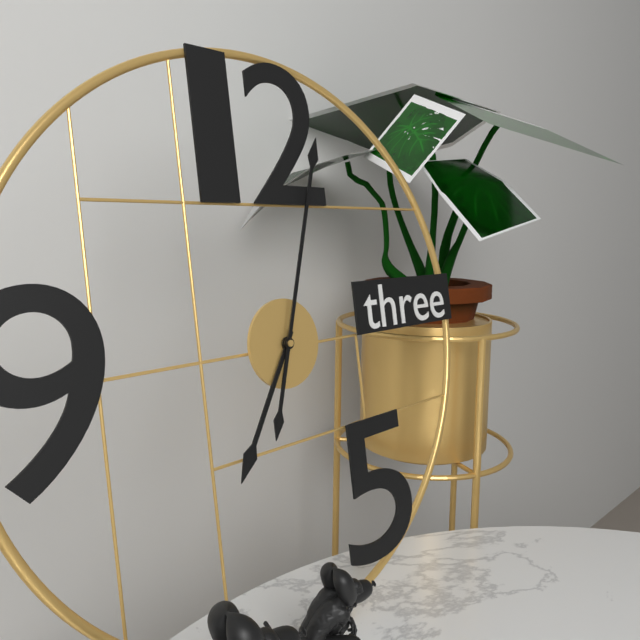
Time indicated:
7h03
